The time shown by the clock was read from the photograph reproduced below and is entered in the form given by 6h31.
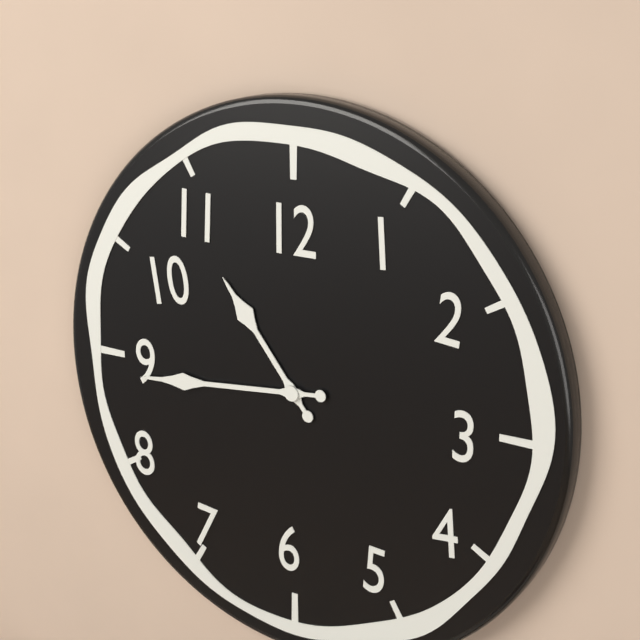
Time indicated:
10h44
